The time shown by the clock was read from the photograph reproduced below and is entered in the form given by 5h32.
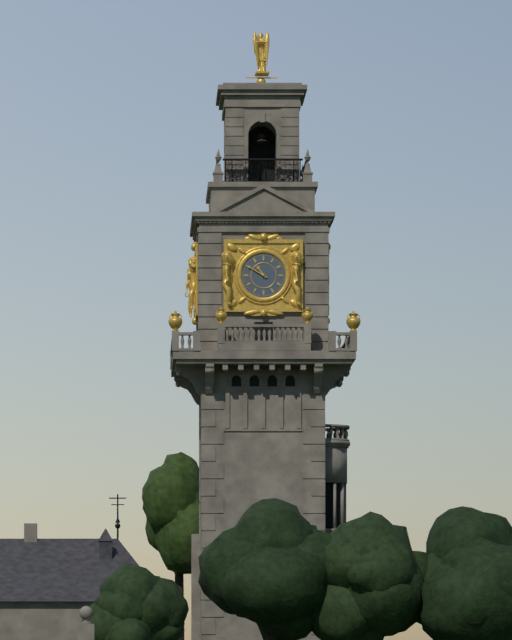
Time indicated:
10h50
